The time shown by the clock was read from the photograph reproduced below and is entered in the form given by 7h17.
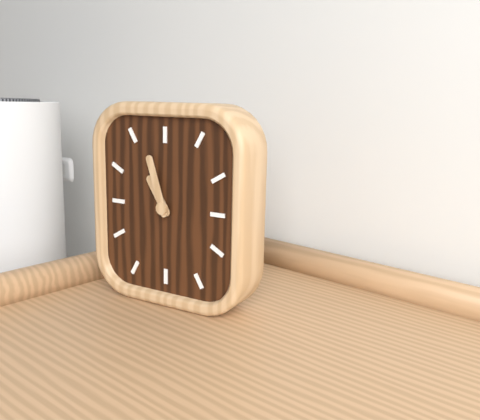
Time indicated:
10h57
